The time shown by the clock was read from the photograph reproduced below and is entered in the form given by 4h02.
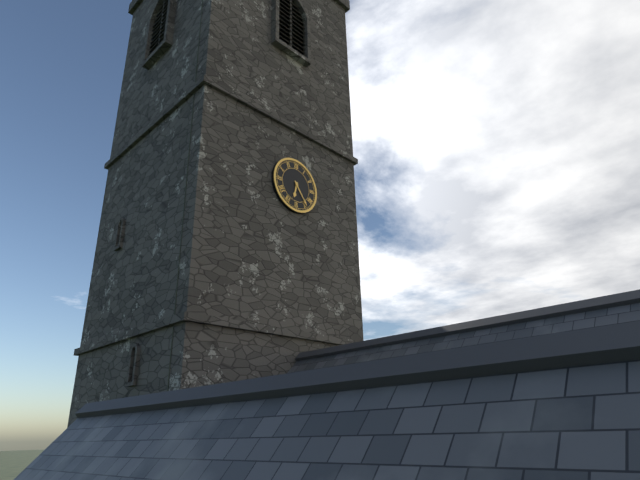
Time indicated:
6h24
